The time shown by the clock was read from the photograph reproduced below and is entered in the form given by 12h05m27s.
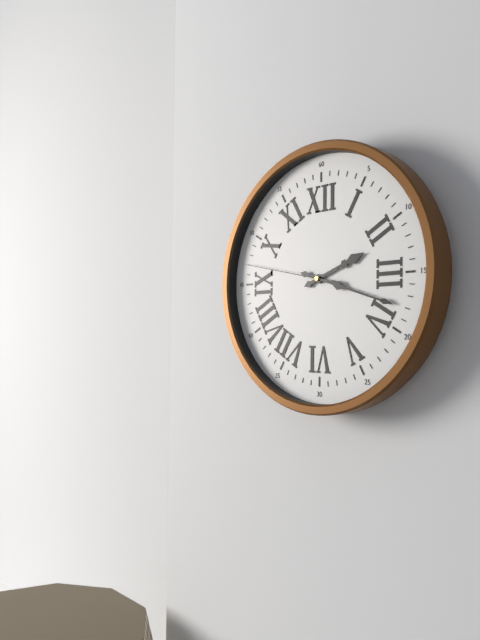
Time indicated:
2h18m47s
